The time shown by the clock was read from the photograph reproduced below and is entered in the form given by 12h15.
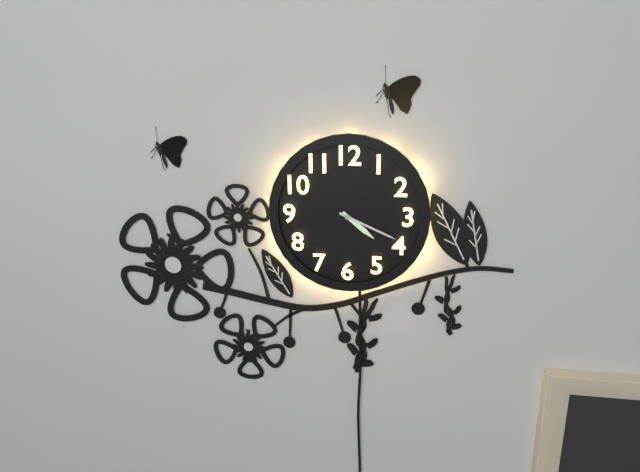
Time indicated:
4h19
